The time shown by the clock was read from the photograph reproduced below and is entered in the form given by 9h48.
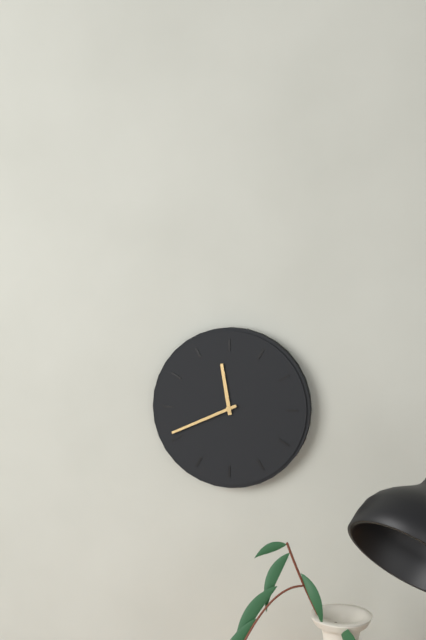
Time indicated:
11h41
